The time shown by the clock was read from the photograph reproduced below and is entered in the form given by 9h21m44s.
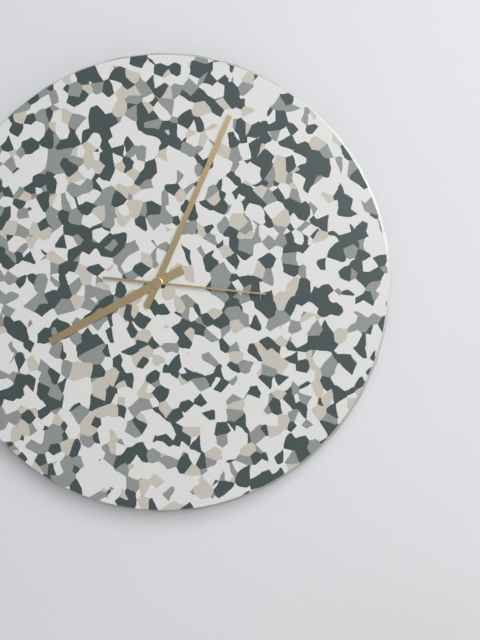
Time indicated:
8h04m16s
